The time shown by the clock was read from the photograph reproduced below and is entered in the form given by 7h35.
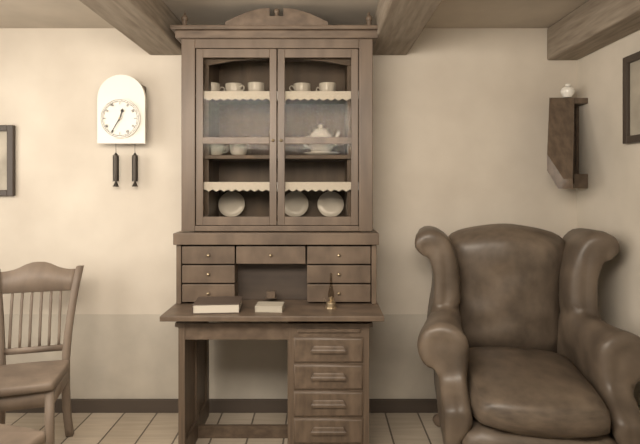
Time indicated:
12h35
